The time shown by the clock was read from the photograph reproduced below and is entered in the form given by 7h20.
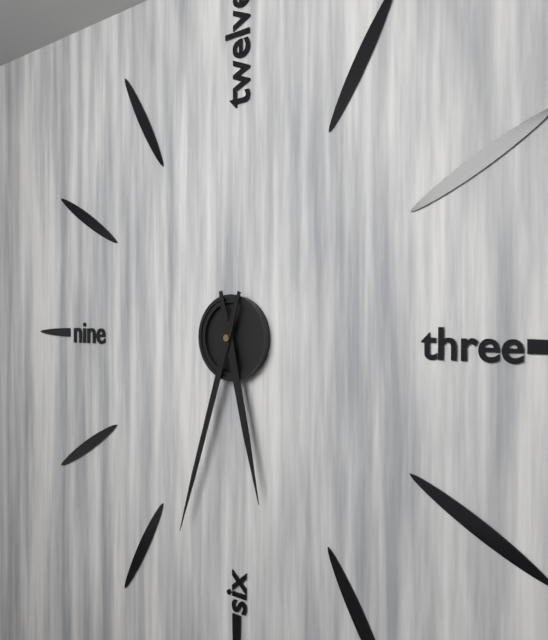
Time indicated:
5h33
